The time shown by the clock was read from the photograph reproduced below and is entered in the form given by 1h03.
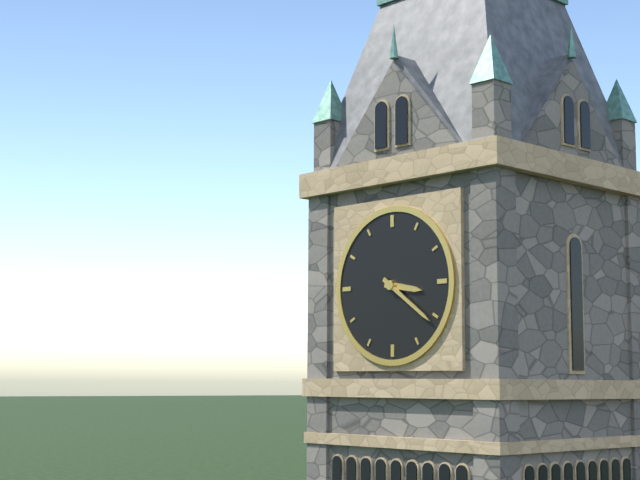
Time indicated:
3h21
